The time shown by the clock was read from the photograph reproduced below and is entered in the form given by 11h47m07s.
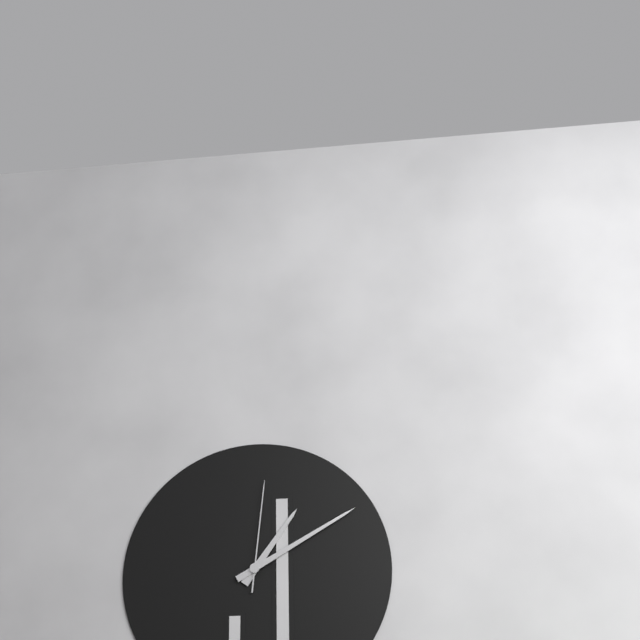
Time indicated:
1h10m01s
